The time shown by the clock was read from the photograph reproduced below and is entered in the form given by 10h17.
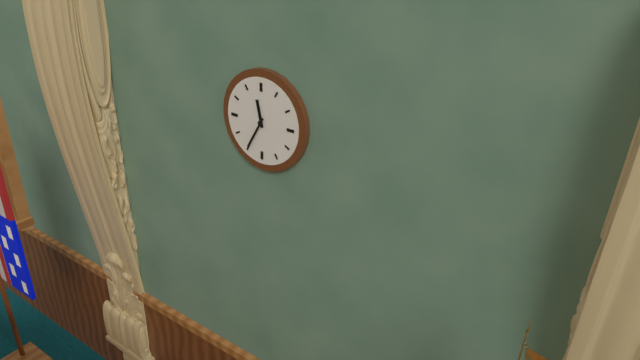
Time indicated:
11h35
